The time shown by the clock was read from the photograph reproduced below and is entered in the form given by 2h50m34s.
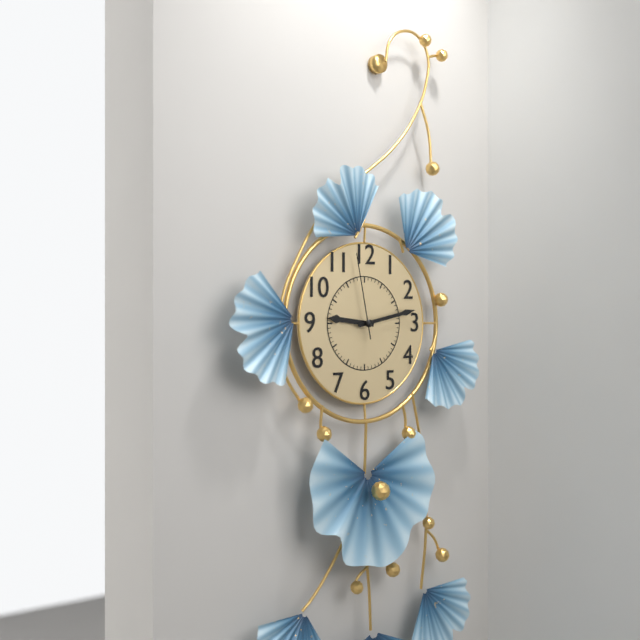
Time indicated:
9h13m58s
